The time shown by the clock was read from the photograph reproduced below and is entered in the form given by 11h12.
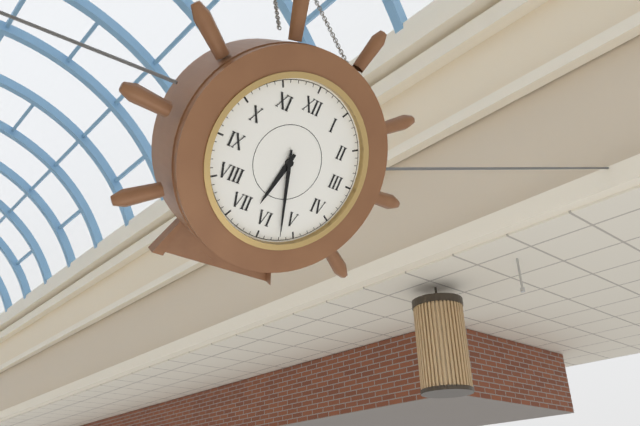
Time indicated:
6h27
